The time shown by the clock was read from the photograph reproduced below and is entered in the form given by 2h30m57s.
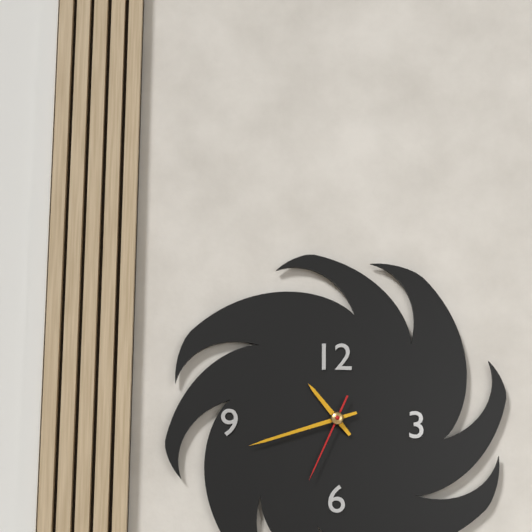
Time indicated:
10h42m34s
